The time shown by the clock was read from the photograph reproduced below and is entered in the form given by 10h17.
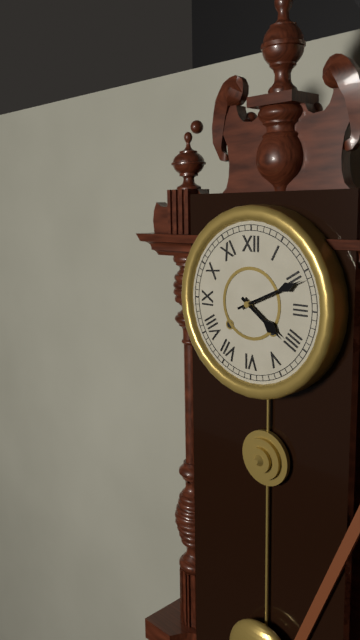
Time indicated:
4h11
